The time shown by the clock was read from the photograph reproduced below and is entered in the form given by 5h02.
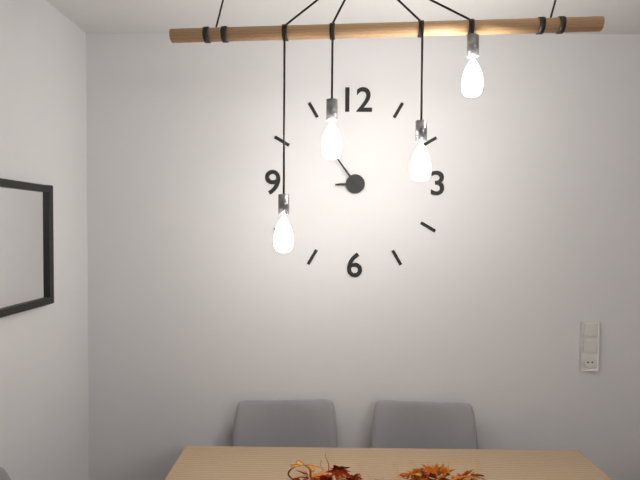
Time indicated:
8h54
